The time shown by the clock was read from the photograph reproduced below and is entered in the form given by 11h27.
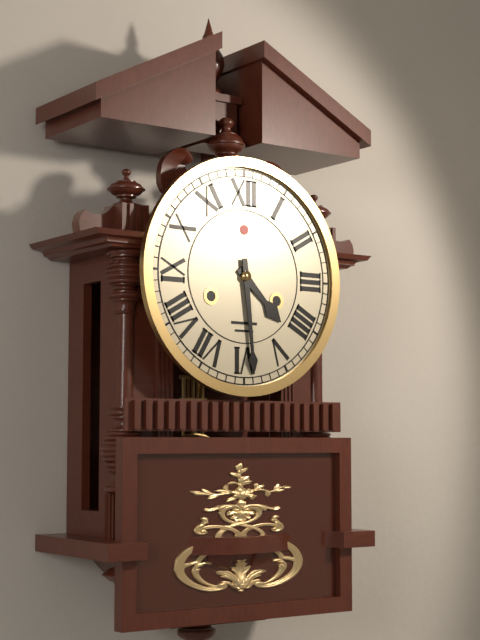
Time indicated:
4h29
